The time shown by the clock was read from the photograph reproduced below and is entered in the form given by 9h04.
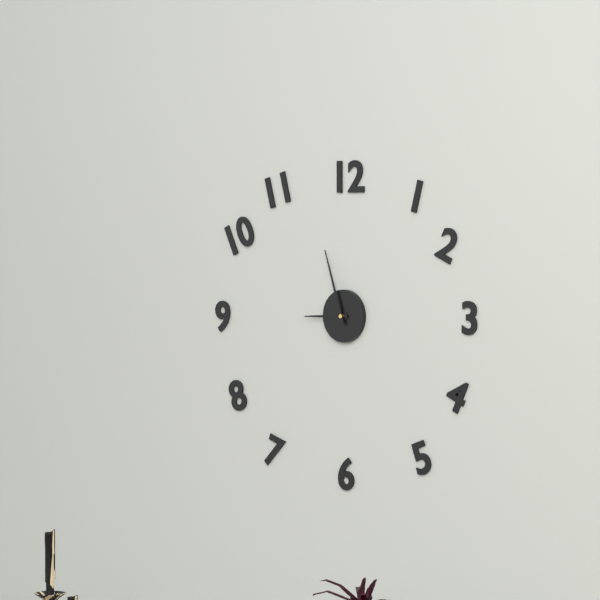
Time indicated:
8h57
